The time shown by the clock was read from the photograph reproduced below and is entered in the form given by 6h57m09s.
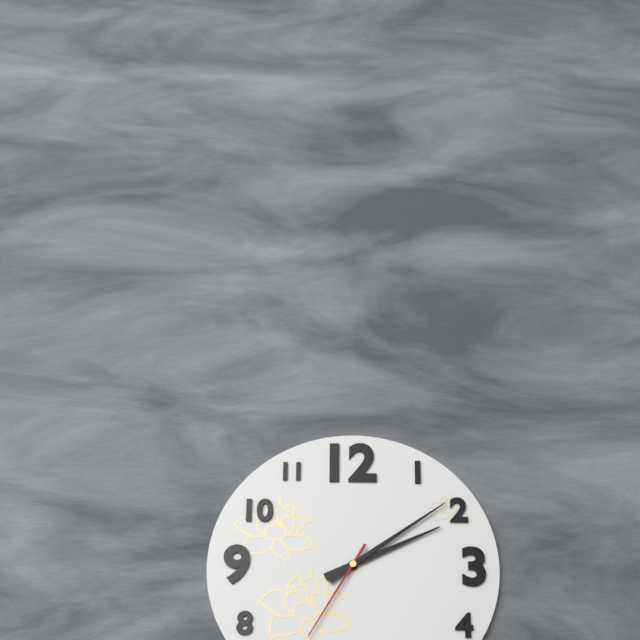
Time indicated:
2h09m35s
